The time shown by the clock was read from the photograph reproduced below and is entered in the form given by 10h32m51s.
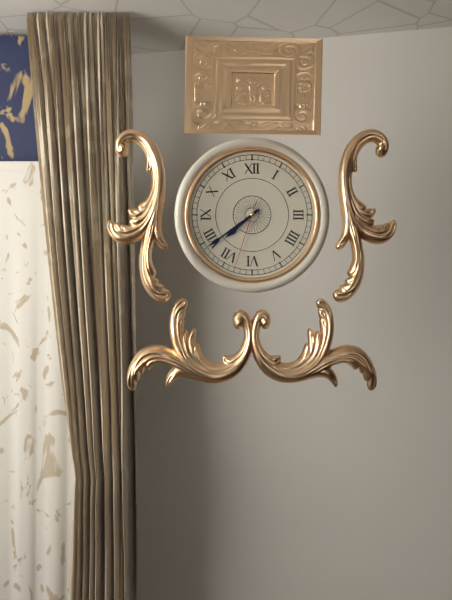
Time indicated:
7h39m33s
